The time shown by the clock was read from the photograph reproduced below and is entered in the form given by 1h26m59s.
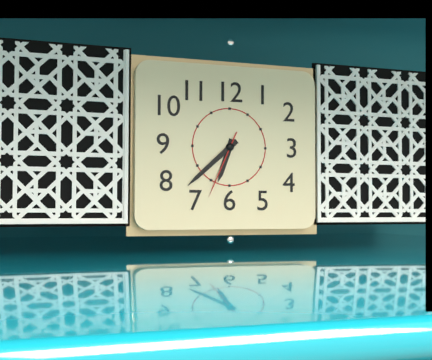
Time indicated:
6h38m34s
